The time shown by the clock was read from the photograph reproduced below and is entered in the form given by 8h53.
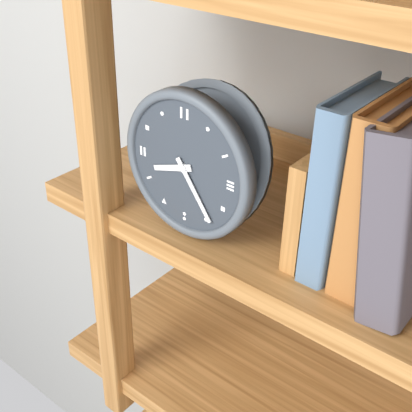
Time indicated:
8h24
